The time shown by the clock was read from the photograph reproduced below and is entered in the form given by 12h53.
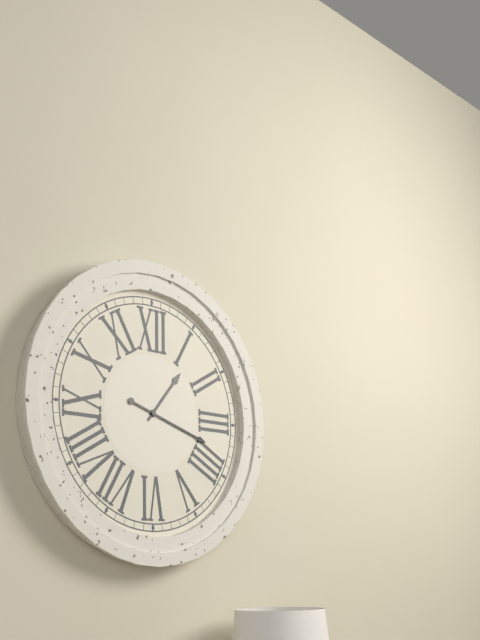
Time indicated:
1h18
